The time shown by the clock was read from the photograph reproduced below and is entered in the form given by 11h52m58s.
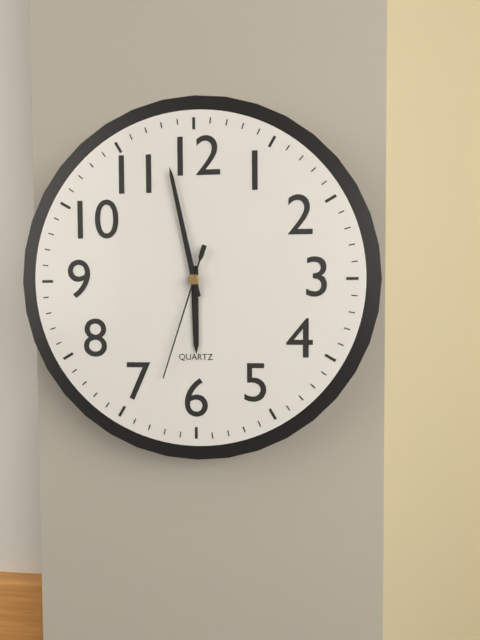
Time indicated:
5h58m33s
